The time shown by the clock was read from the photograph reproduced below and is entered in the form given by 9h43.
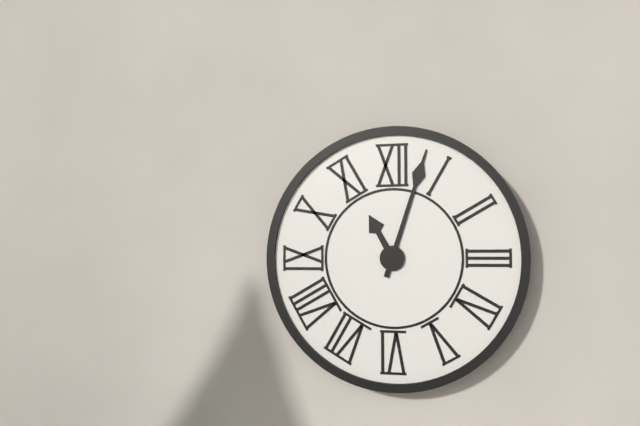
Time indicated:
11h03
